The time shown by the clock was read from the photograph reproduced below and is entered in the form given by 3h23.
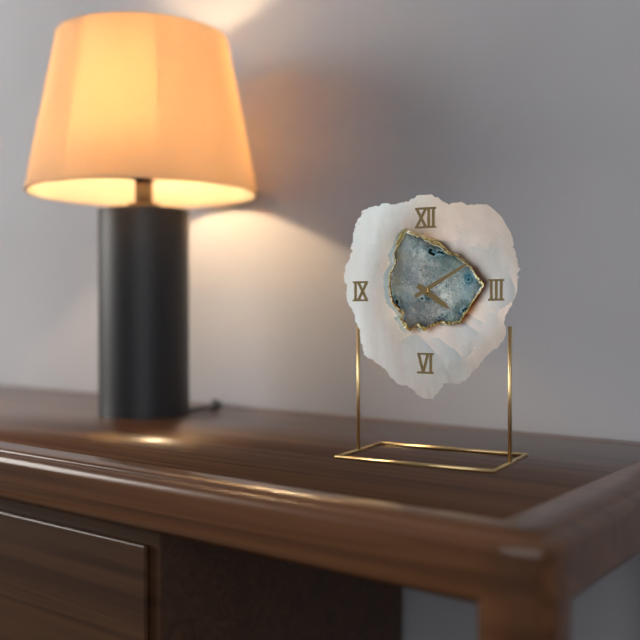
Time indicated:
4h10
